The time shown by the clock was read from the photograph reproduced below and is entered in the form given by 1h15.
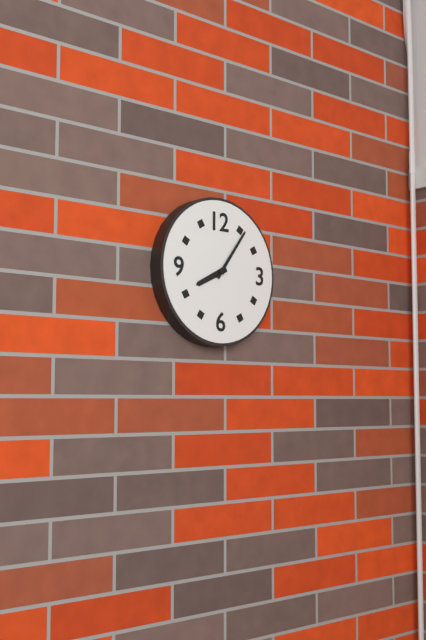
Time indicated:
8h06
